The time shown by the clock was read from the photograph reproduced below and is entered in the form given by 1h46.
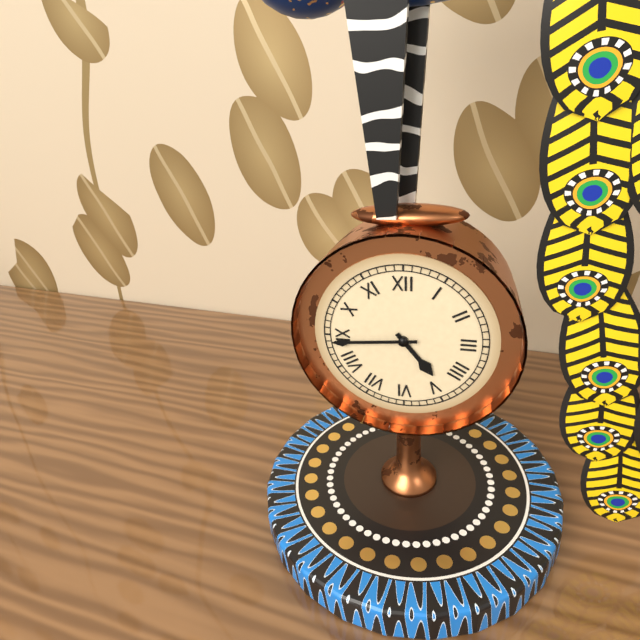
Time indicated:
4h44
